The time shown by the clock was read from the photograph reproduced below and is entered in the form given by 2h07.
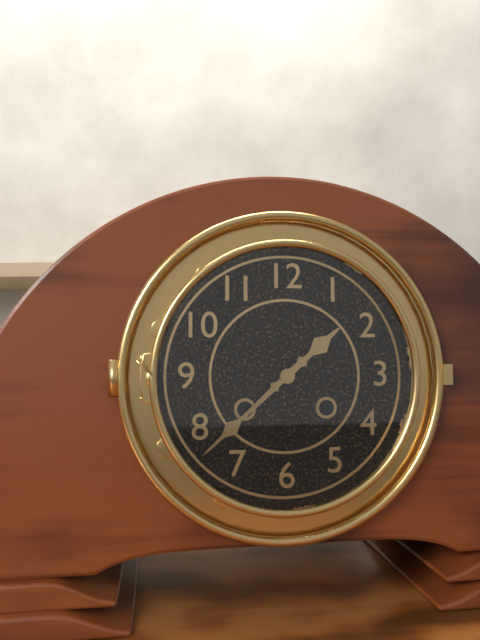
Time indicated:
1h38
